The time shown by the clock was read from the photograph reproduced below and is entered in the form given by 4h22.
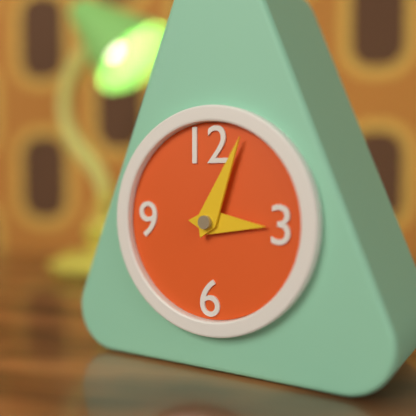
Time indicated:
3h04
